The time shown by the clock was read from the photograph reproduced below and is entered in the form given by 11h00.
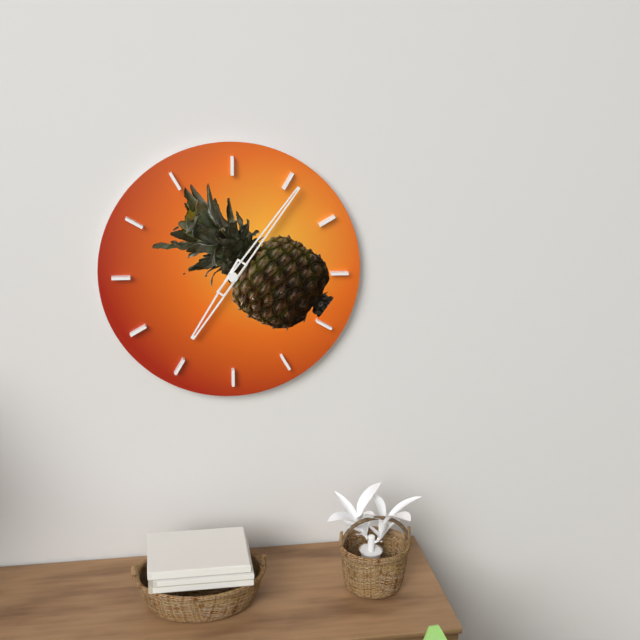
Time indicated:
7h06
